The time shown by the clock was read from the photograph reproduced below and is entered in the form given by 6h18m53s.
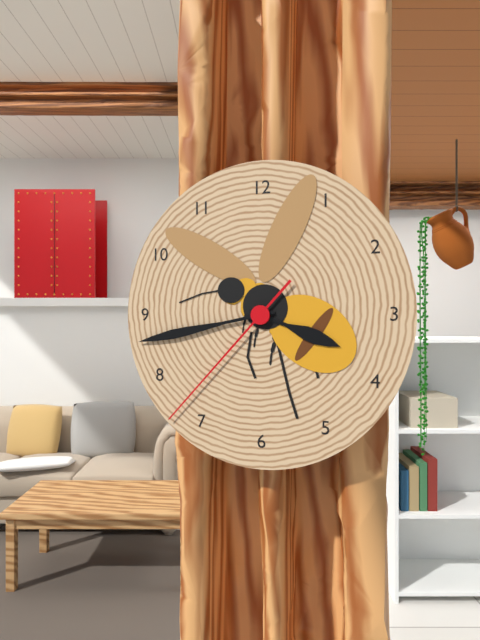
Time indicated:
3h43m37s
